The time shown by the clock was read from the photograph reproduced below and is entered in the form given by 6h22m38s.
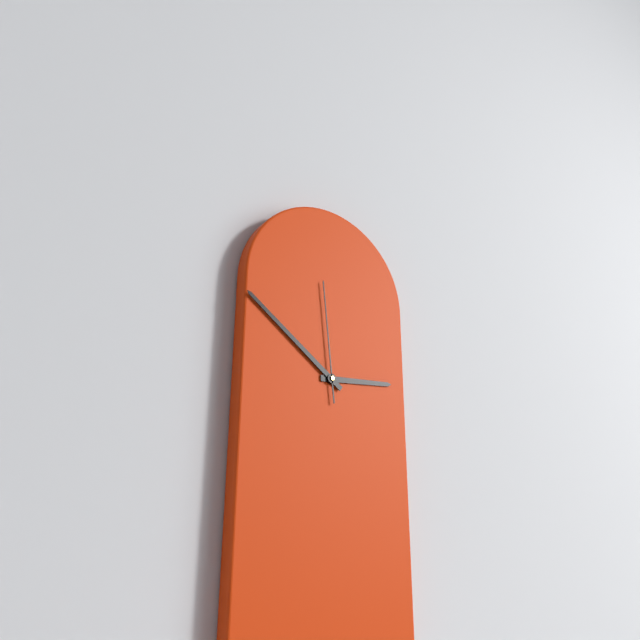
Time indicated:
2h51m59s
